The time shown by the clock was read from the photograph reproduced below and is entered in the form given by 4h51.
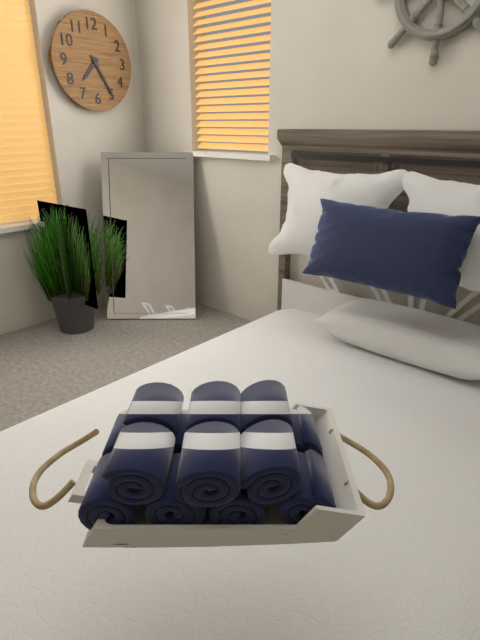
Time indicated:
7h25
